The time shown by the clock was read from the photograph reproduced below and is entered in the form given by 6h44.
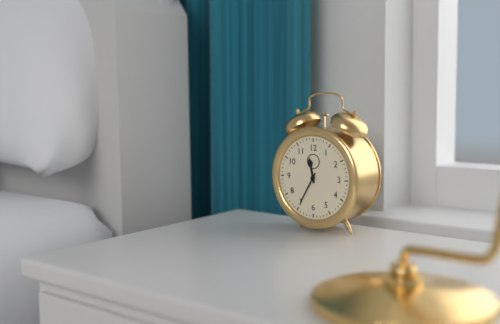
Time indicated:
11h35
